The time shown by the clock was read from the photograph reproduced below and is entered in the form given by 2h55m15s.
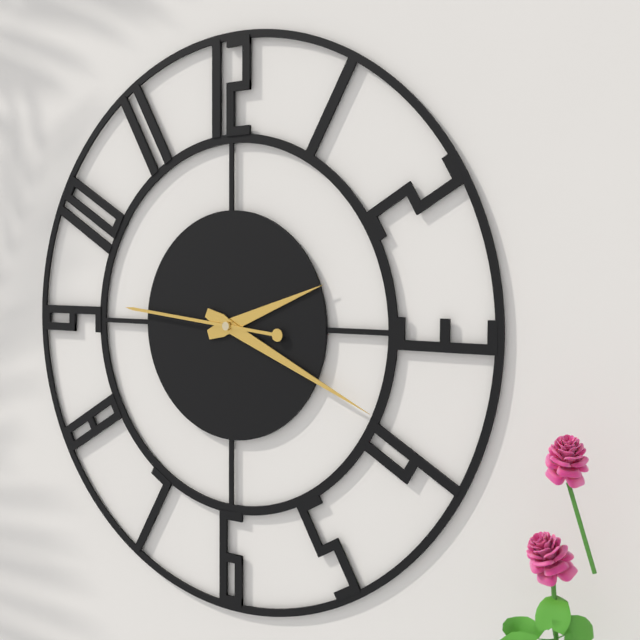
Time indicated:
2h19m46s
